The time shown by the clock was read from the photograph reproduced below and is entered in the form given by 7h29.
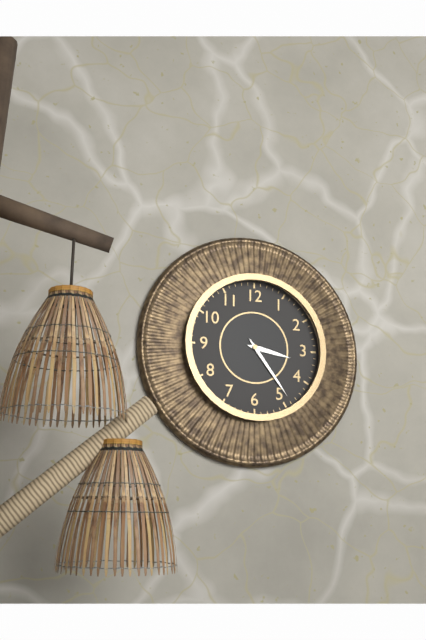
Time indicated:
3h24
